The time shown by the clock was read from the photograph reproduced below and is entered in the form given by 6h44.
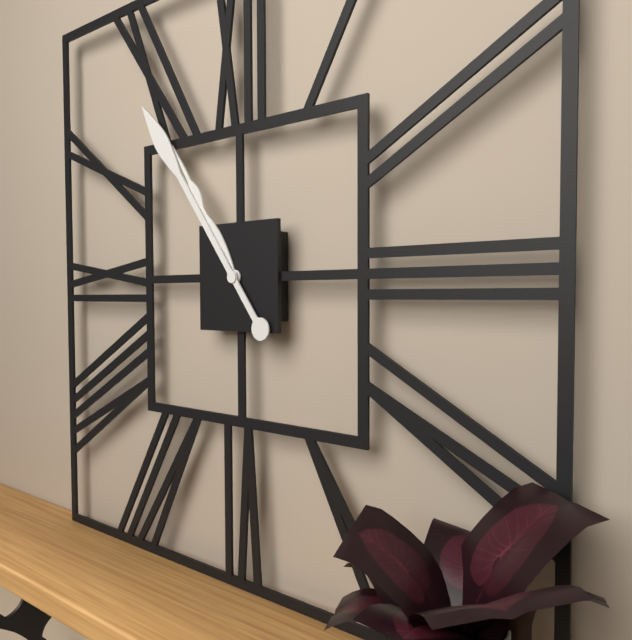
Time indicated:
10h54
